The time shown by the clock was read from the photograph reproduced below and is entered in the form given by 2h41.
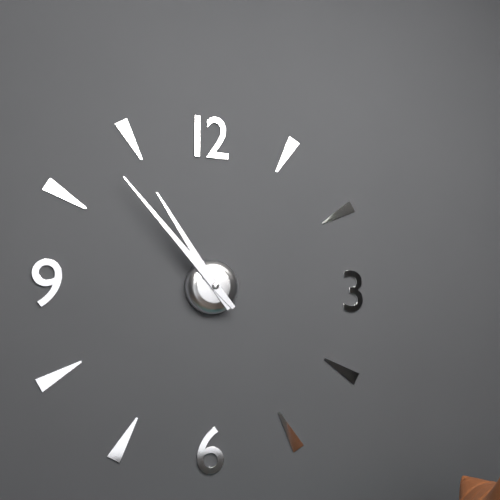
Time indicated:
10h53
